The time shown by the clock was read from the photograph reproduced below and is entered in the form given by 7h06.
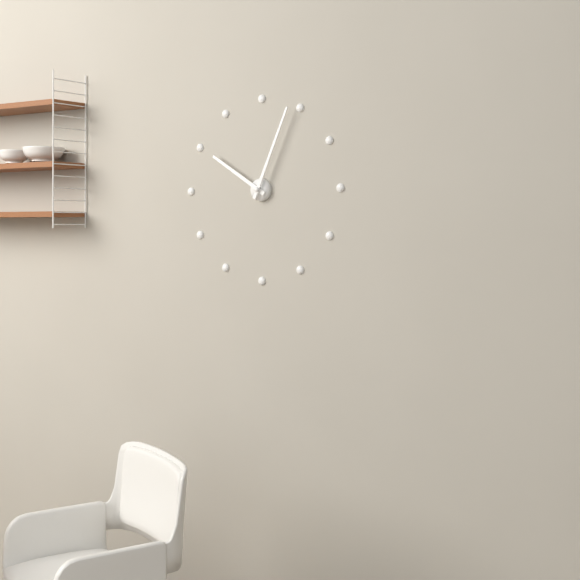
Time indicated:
10h04
